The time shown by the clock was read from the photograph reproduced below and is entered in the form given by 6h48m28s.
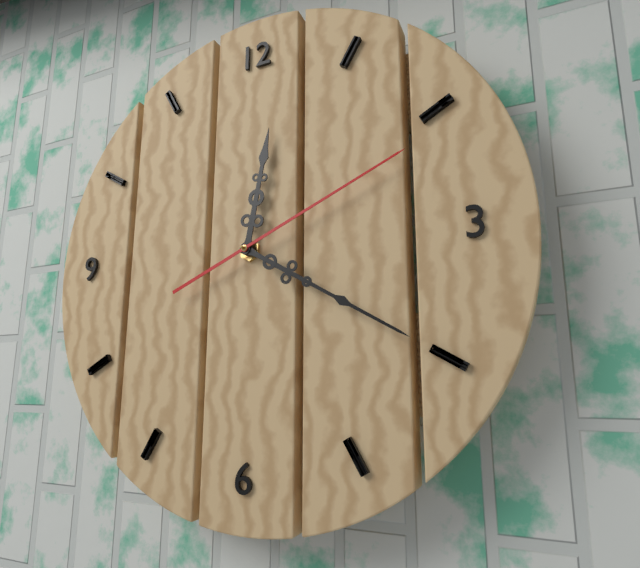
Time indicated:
12h20m11s
